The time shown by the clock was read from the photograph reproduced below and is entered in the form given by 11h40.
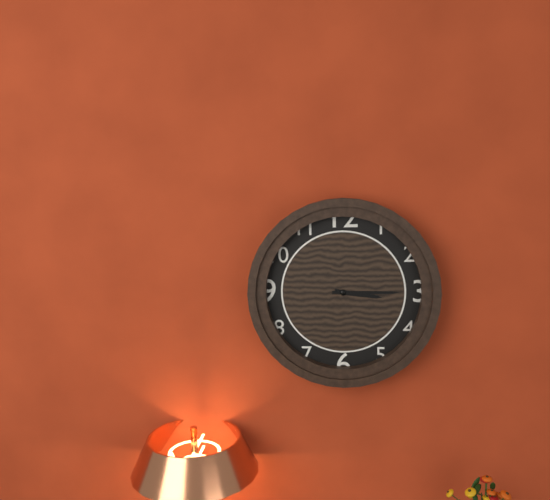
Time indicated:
3h15
